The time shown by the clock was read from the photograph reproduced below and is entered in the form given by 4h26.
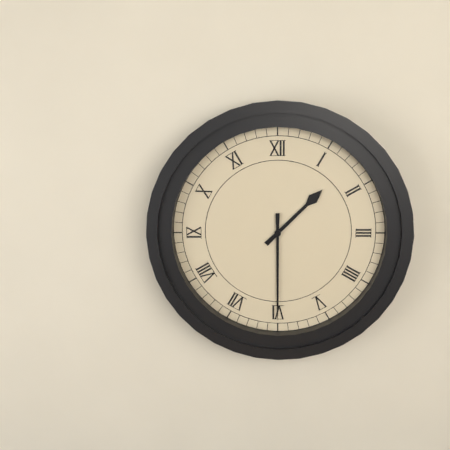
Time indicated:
1h30
